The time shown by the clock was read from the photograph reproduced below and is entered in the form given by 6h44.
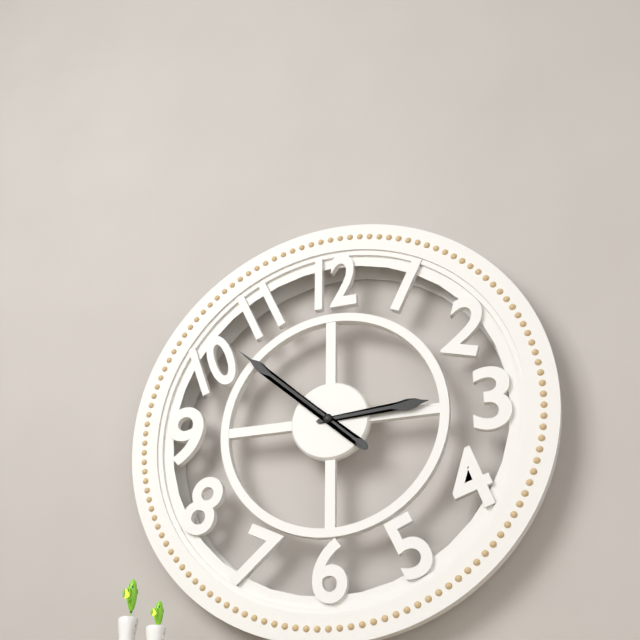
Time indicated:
2h52
